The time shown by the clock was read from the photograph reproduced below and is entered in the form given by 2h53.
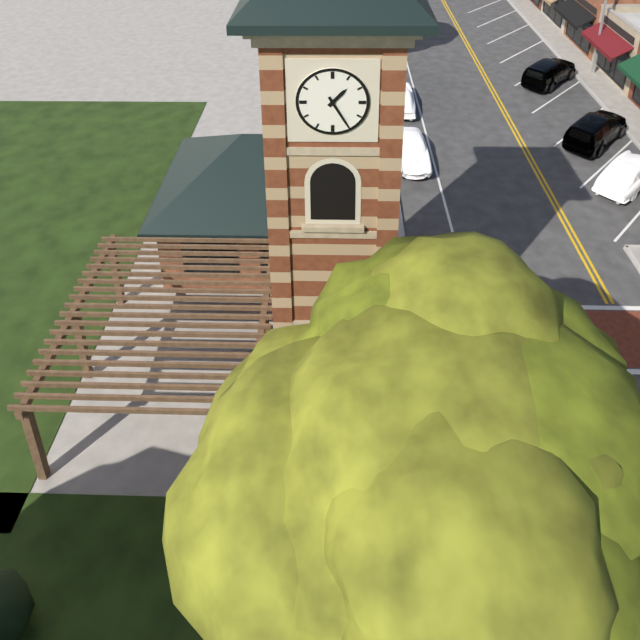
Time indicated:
1h25
